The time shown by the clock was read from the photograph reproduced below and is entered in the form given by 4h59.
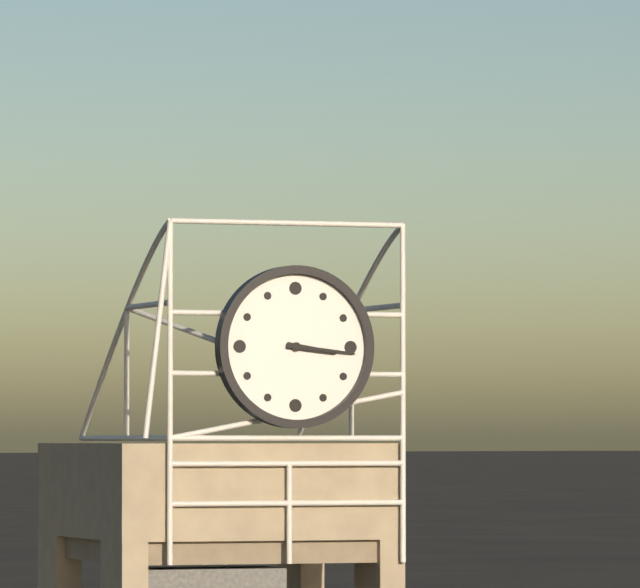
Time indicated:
3h16
